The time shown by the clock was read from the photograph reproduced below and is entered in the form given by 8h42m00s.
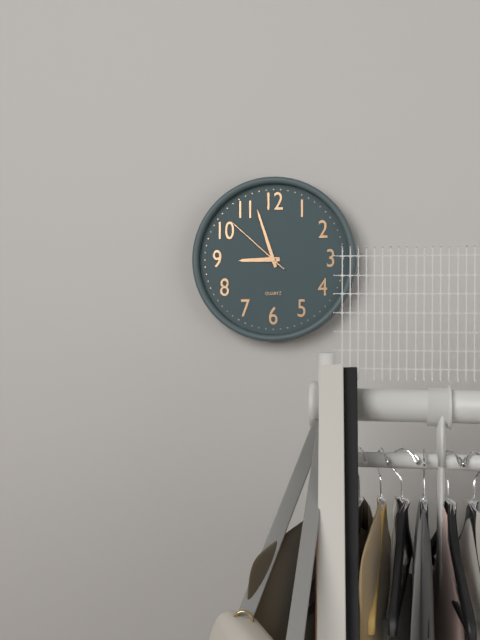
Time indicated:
8h57m52s
